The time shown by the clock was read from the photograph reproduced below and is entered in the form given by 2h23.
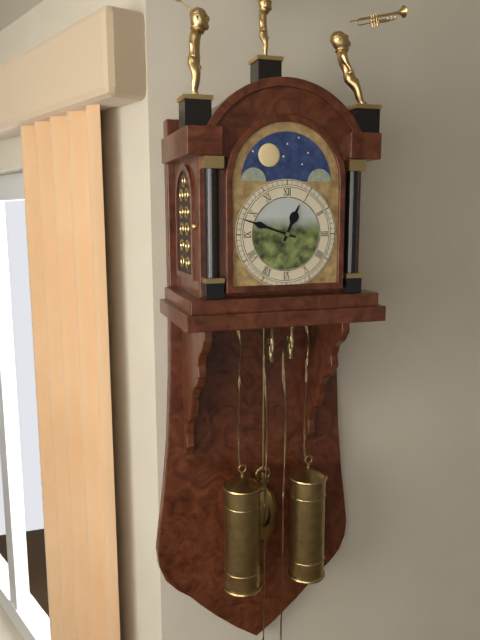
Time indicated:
12h48
